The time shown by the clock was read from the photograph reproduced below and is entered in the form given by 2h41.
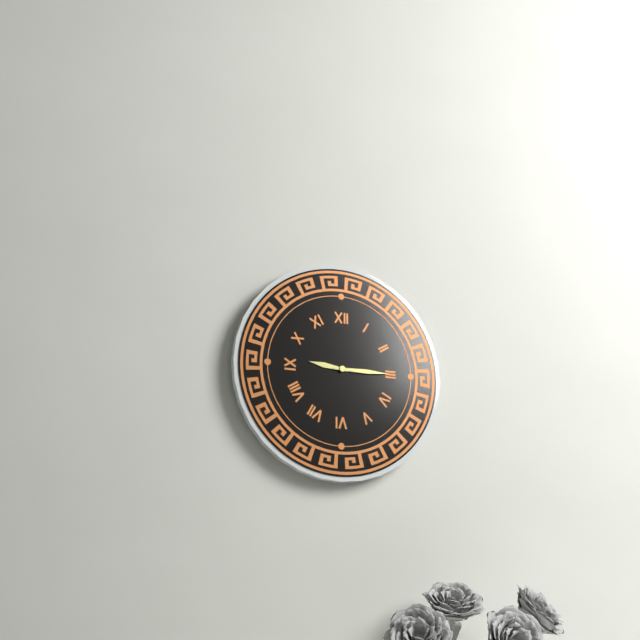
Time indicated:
9h15
